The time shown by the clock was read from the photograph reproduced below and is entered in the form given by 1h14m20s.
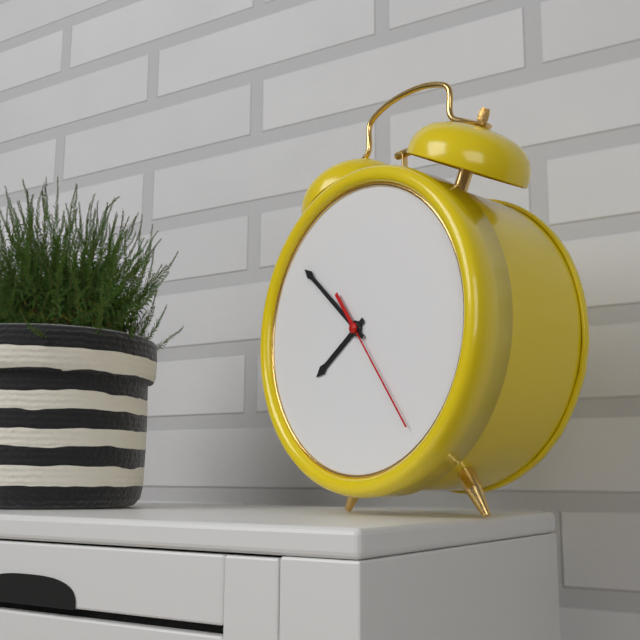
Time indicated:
7h52m24s
